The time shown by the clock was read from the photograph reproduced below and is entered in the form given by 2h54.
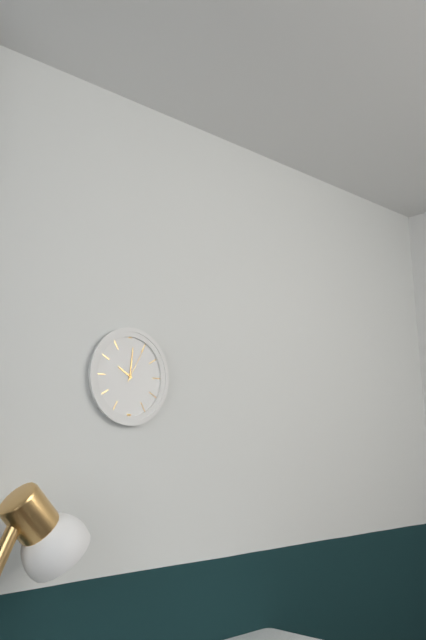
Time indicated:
10h01
